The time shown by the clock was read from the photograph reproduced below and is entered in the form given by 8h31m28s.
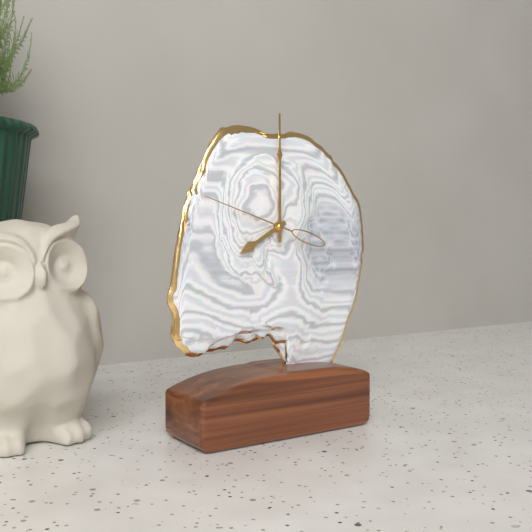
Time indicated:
8h00m48s
